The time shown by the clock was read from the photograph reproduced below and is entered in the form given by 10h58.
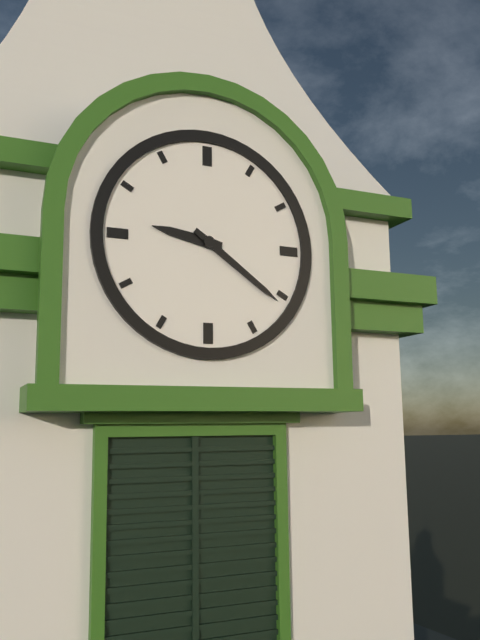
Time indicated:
9h21
